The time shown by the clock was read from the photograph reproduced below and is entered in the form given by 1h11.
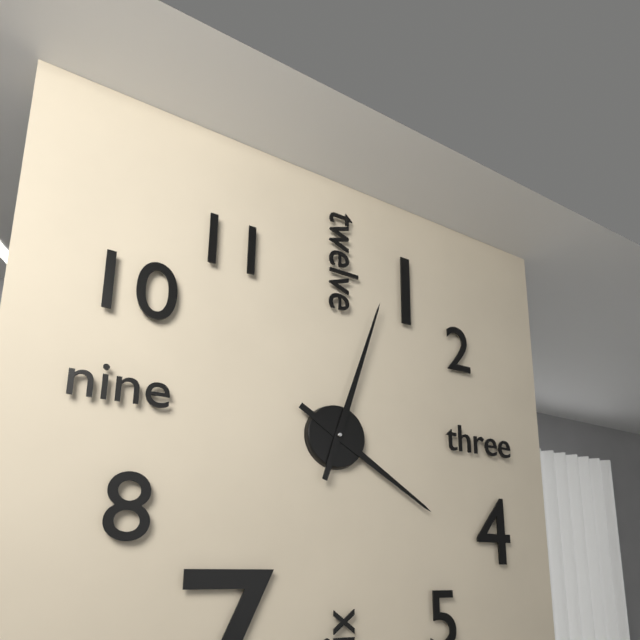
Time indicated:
4h03
